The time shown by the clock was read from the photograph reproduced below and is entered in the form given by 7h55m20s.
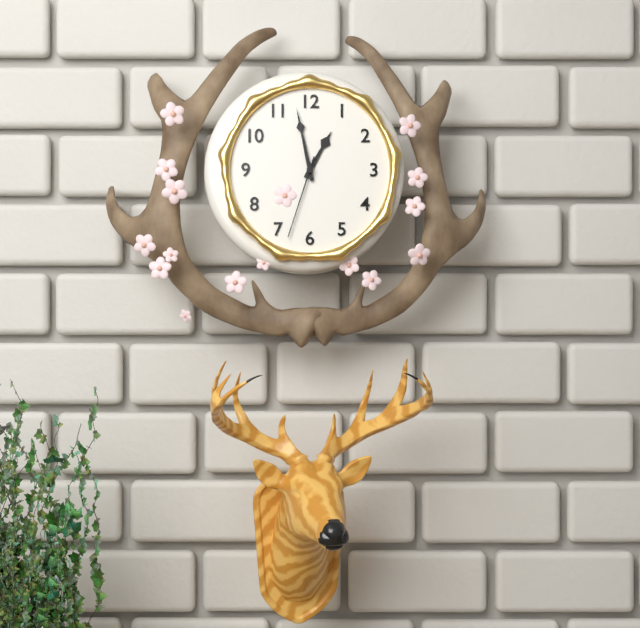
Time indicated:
12h58m33s
